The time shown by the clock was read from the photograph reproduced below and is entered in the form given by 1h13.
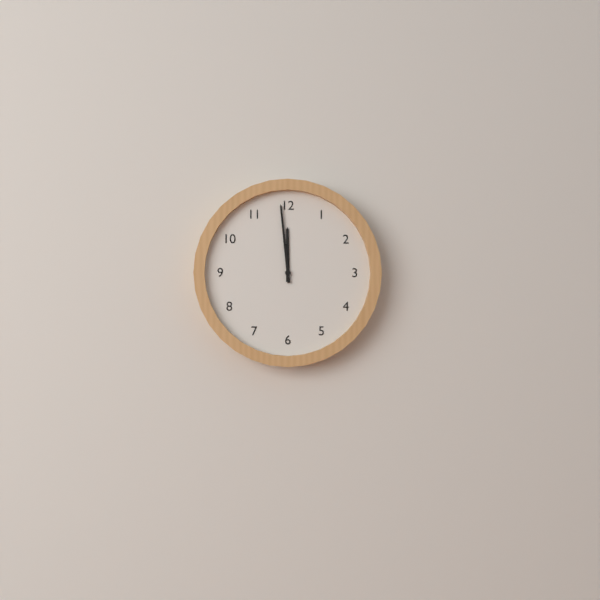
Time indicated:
11h59
